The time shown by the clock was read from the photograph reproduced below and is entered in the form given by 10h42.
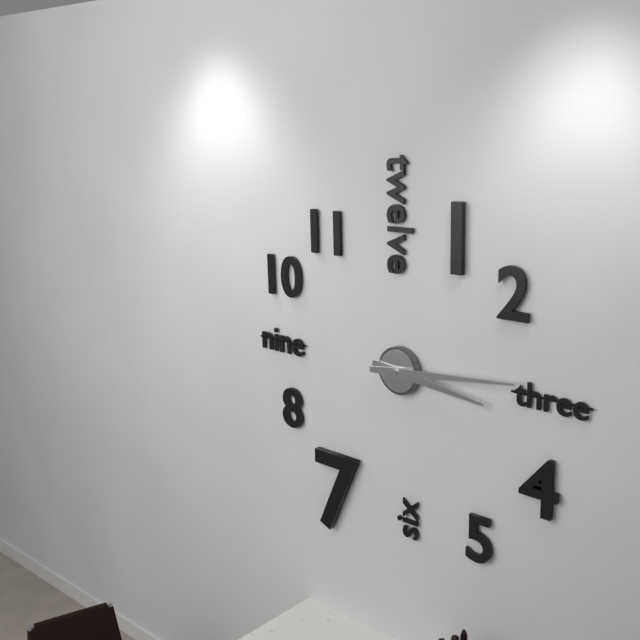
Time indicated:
3h14
